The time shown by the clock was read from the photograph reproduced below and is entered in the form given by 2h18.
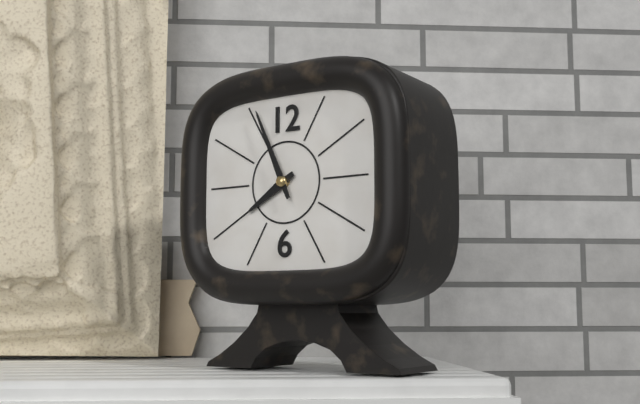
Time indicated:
7h56
